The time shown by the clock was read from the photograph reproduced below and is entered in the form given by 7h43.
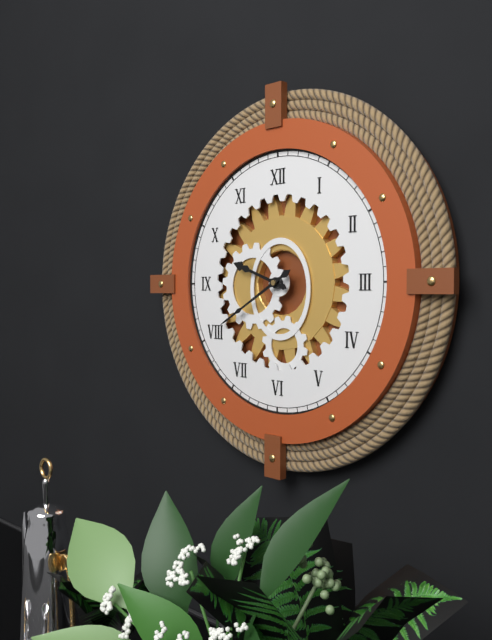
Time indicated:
9h40
